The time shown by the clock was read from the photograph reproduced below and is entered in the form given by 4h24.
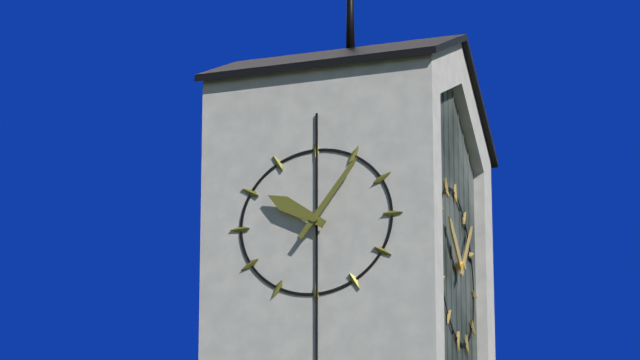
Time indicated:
10h06
